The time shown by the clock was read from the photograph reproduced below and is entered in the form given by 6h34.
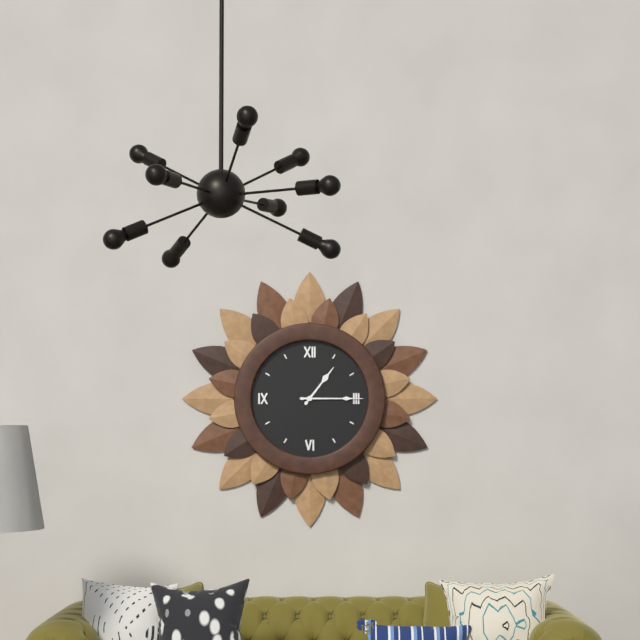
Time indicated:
1h15
